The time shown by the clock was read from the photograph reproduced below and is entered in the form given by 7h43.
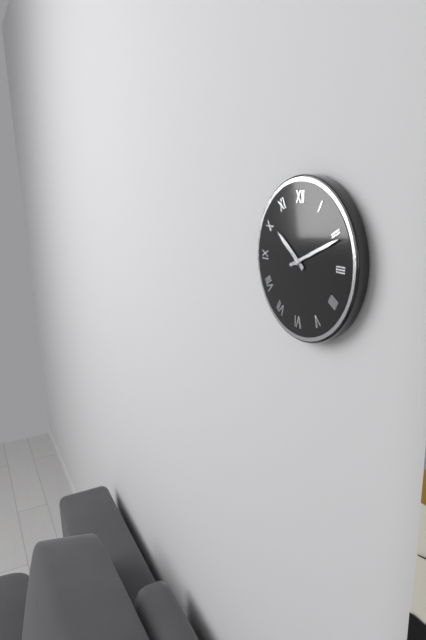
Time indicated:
10h11
